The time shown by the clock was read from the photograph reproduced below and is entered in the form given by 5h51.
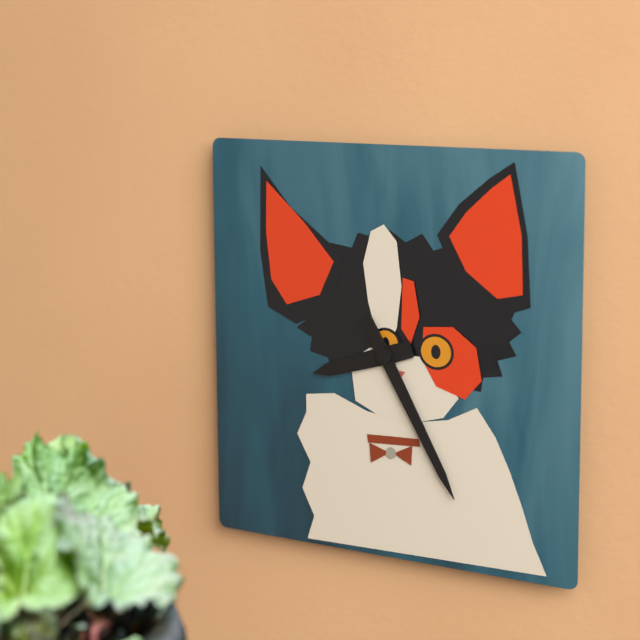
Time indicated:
8h25
